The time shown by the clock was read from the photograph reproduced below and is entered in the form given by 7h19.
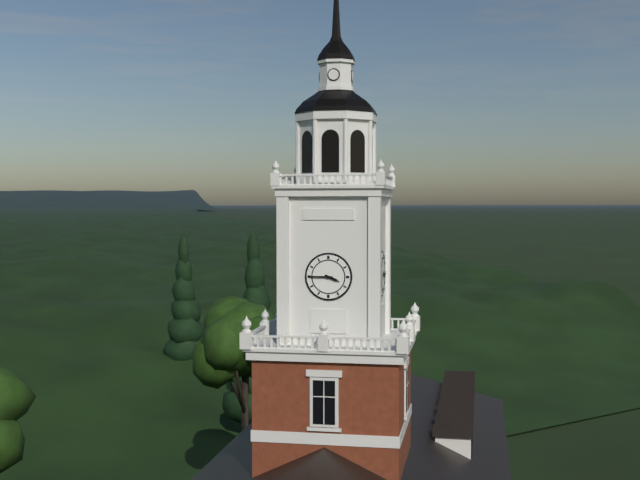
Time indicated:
3h45
